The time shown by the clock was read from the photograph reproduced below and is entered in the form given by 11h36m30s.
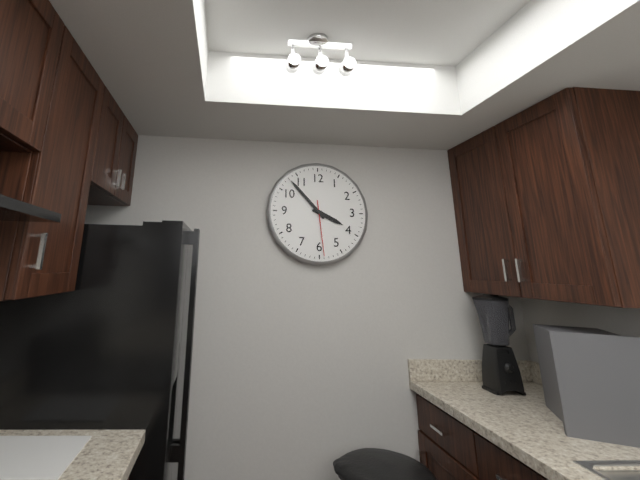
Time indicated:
3h53m29s
